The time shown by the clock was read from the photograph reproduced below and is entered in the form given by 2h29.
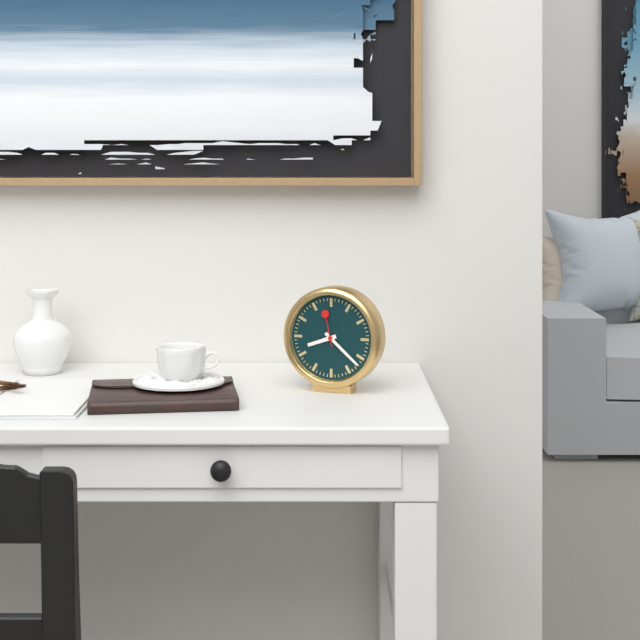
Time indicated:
8h22
